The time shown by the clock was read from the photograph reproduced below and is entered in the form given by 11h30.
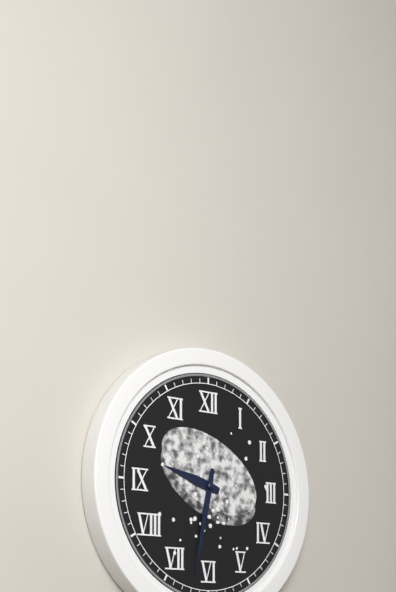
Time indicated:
9h32
